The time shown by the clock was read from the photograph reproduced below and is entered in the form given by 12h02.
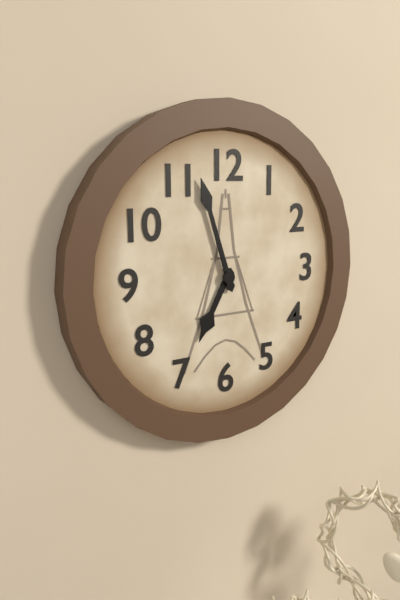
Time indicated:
6h57
